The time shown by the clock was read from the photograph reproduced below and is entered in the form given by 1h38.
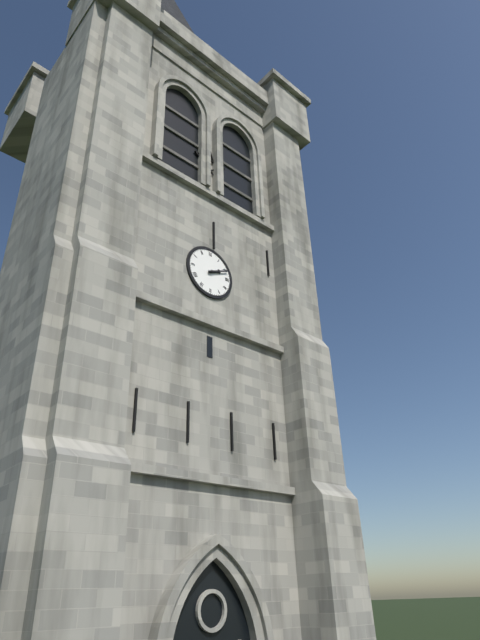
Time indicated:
2h11
